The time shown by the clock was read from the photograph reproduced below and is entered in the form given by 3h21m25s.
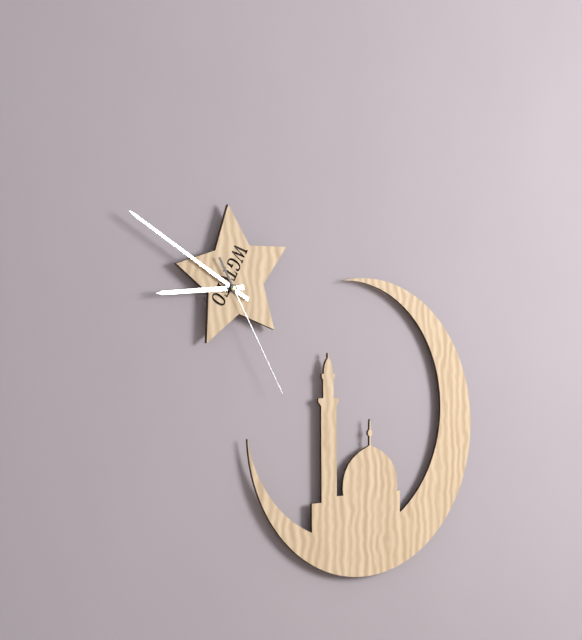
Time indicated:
8h50m25s
